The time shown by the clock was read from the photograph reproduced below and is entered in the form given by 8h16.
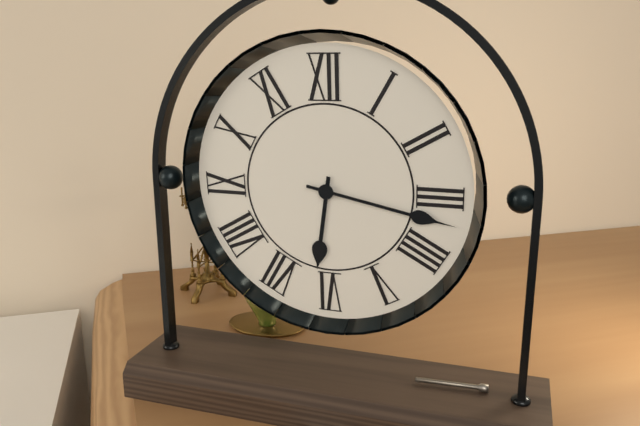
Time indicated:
6h17
